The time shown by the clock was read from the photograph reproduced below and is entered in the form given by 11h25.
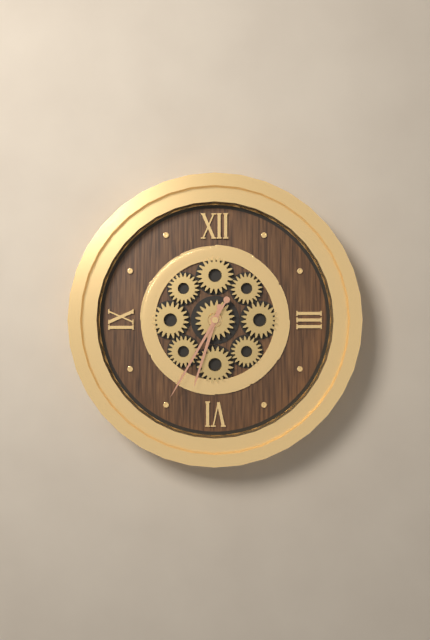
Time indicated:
6h35
